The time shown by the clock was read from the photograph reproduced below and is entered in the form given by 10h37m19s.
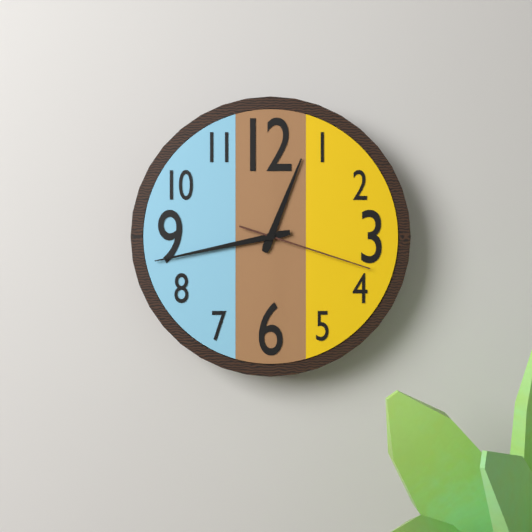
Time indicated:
12h43m18s
